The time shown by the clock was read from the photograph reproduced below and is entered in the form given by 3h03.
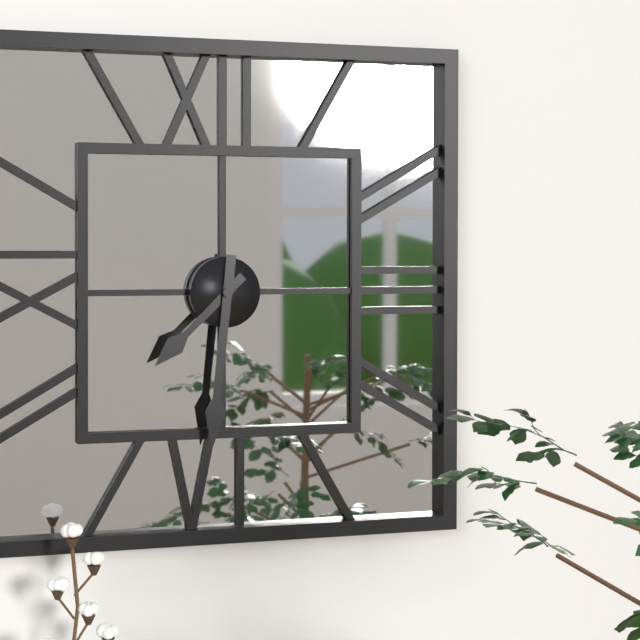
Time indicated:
7h31
